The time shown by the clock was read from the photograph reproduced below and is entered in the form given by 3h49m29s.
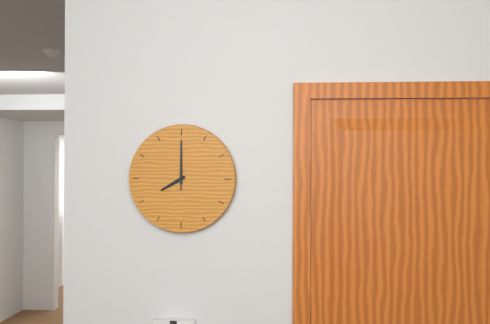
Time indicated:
8h00m00s
